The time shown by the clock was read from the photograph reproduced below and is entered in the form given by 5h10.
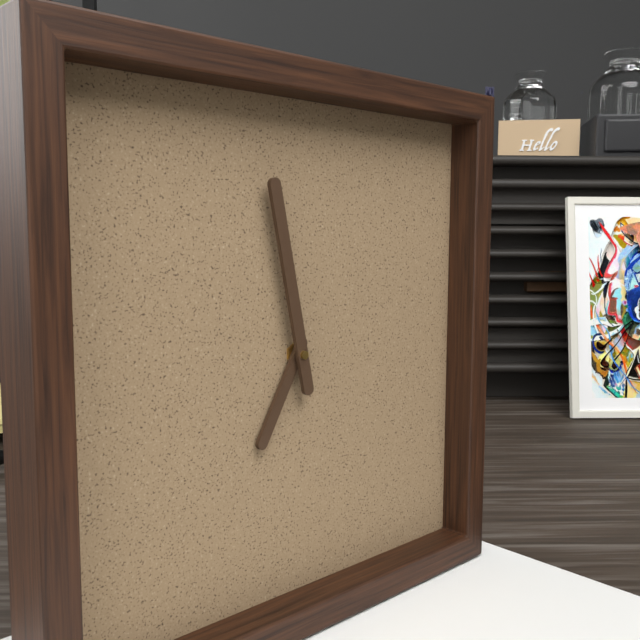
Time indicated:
6h58
